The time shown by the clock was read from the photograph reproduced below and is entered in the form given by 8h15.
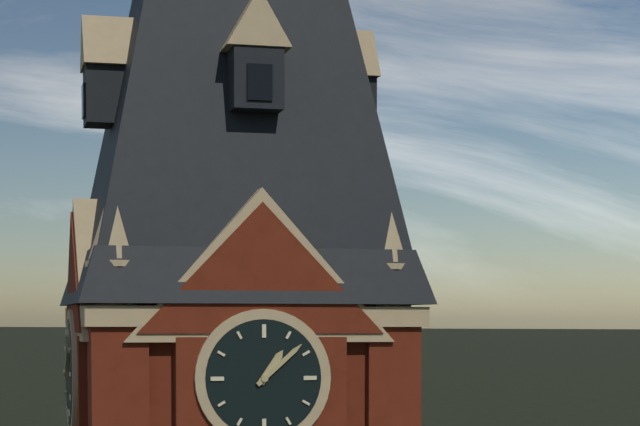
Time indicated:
1h08
